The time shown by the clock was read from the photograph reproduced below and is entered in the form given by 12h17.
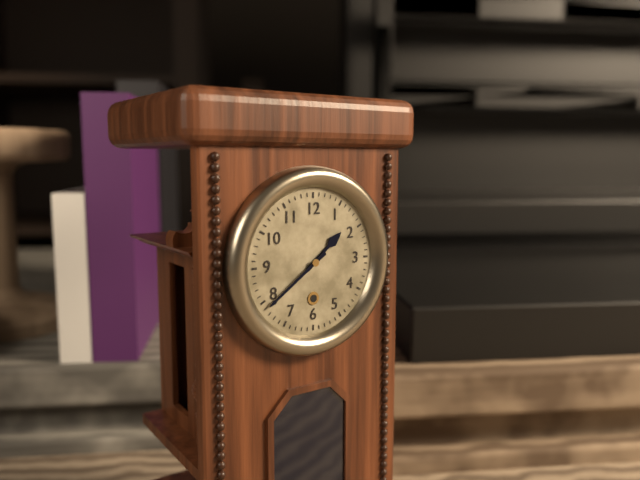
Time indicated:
1h39
